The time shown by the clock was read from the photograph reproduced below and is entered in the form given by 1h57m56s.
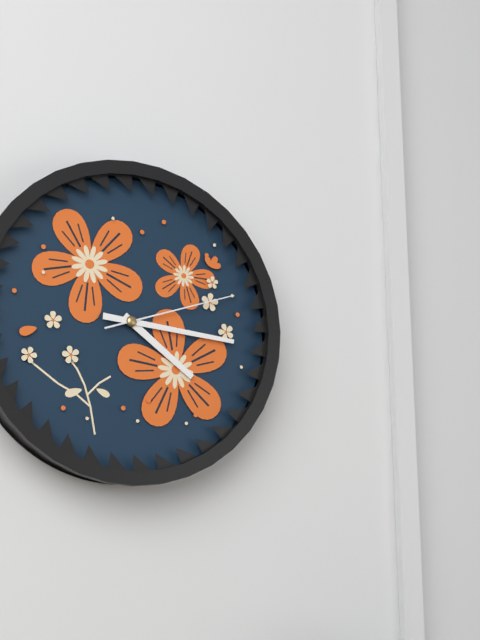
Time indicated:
4h16m12s
